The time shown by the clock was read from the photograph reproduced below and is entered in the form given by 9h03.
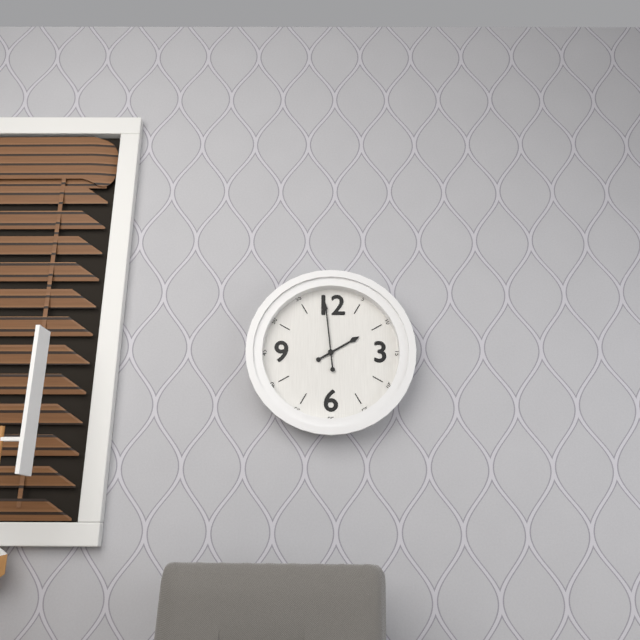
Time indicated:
1h59
